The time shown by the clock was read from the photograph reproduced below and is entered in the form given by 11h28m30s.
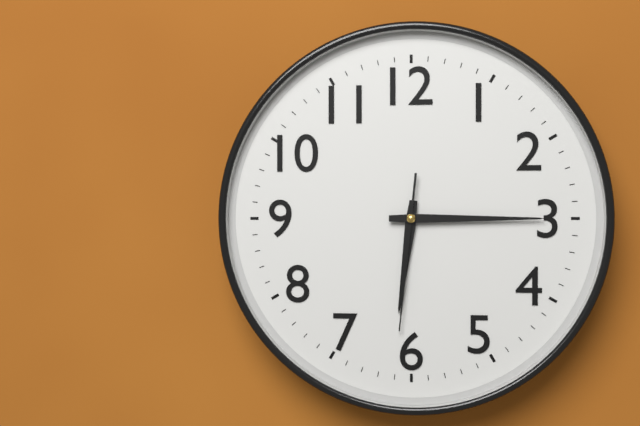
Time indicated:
6h15m31s
